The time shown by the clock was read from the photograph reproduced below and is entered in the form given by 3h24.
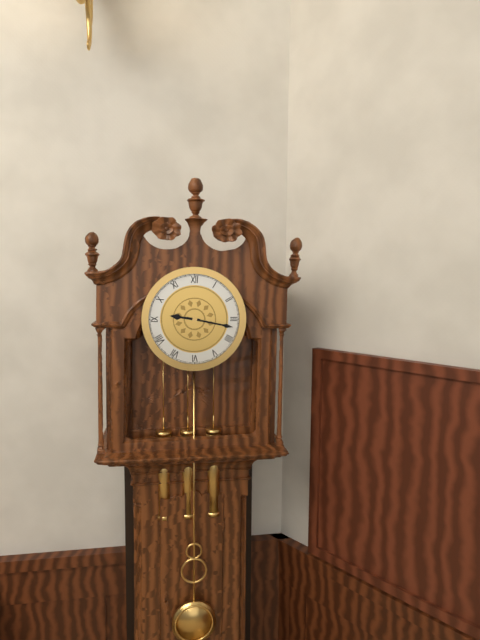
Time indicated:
9h17
